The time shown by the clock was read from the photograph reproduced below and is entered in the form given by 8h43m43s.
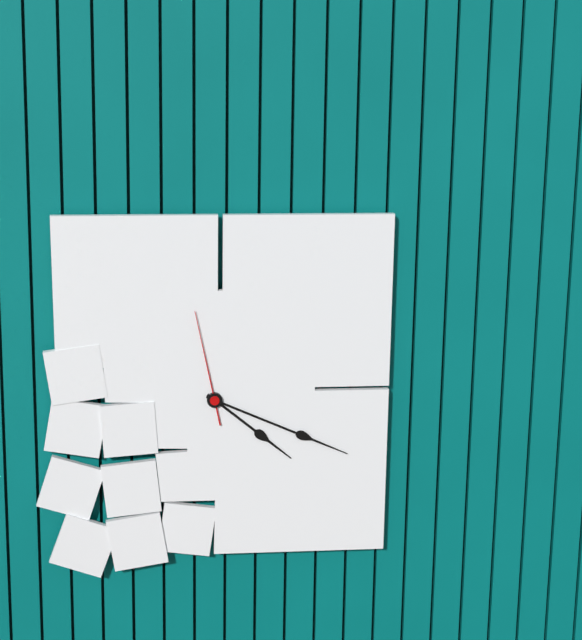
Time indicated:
4h19m58s
